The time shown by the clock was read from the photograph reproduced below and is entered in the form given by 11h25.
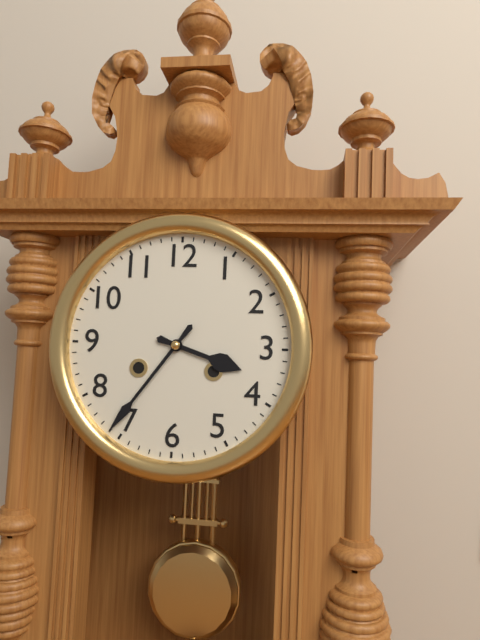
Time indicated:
3h36
